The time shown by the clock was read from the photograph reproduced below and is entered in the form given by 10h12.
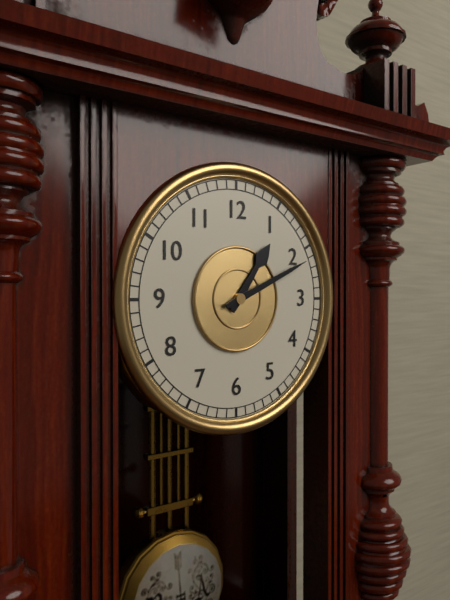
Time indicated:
1h11
